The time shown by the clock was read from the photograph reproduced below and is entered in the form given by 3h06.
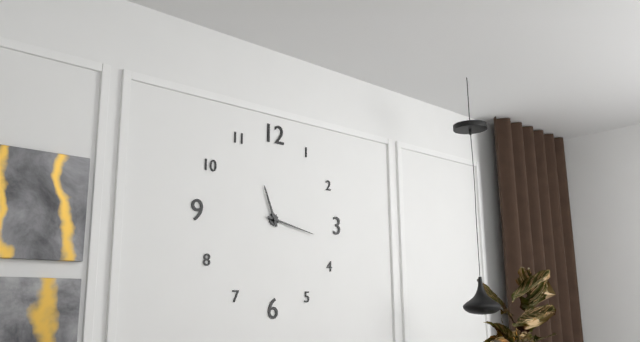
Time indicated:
11h17
